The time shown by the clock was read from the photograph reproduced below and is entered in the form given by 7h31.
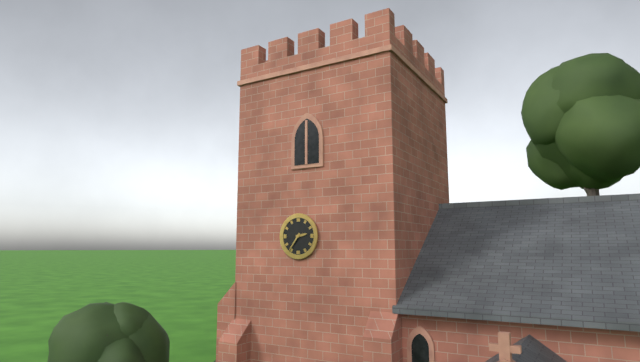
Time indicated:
2h36
